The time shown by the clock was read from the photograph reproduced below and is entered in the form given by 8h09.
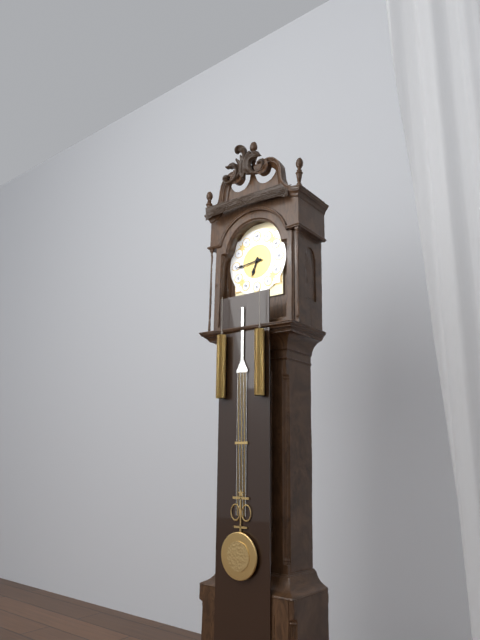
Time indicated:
6h44
